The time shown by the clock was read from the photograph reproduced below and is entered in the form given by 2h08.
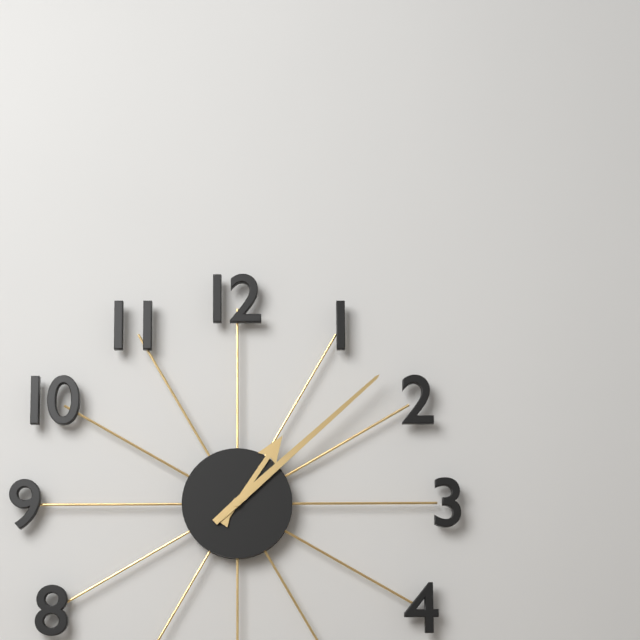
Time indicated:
1h08
